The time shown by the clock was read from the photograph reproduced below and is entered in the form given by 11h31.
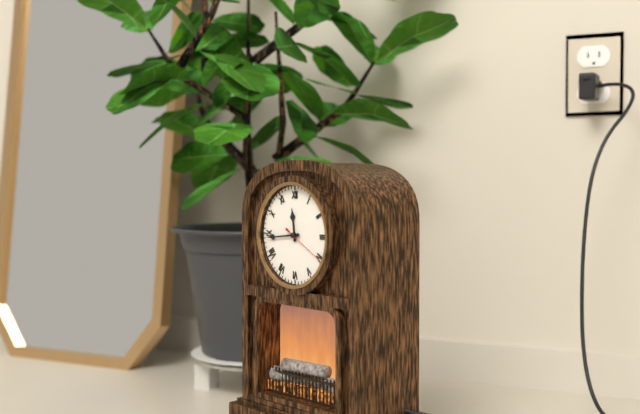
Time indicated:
11h44
